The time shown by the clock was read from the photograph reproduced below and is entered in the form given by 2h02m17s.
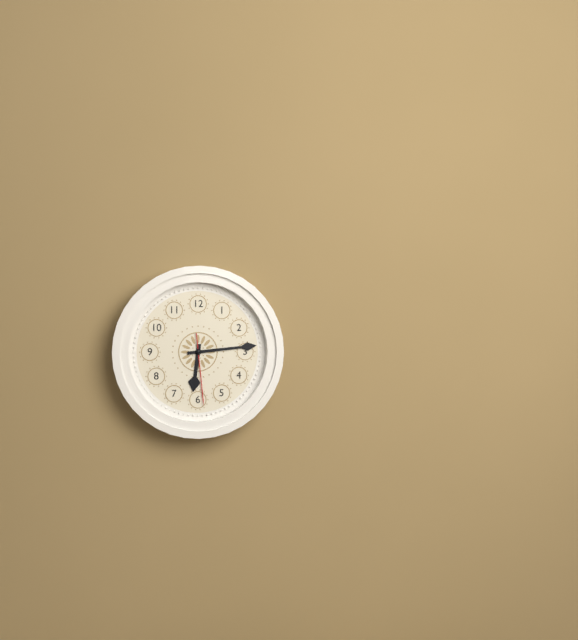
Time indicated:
6h14m29s
